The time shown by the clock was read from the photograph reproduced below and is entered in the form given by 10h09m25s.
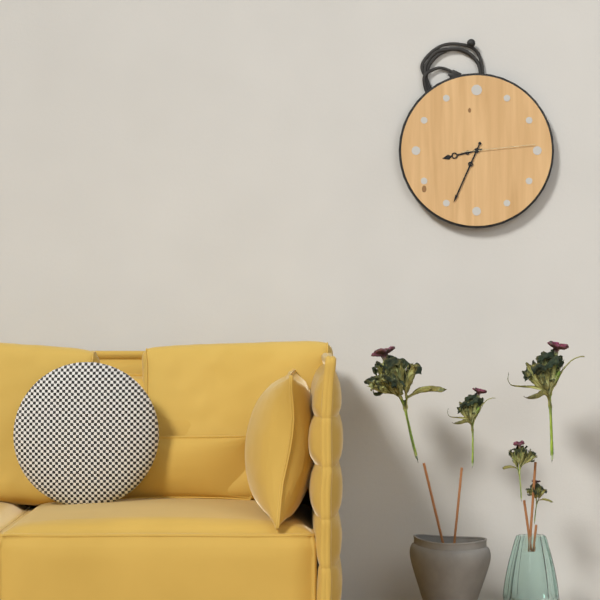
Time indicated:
8h34m14s
